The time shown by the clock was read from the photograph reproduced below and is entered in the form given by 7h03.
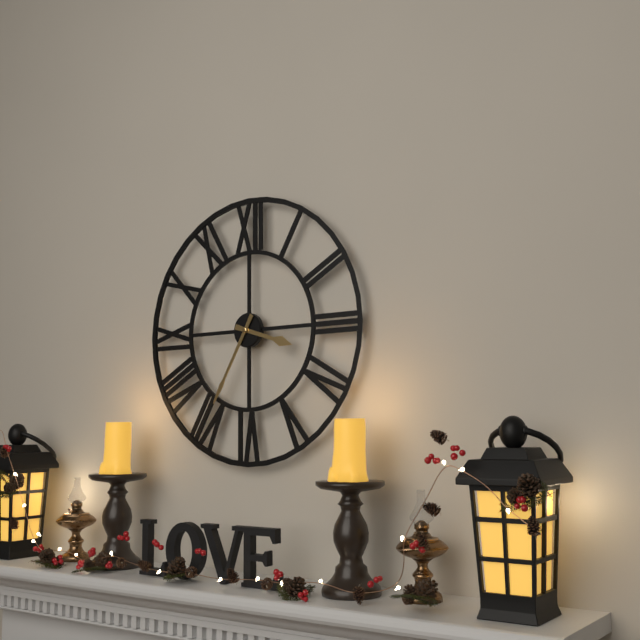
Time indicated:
3h35
